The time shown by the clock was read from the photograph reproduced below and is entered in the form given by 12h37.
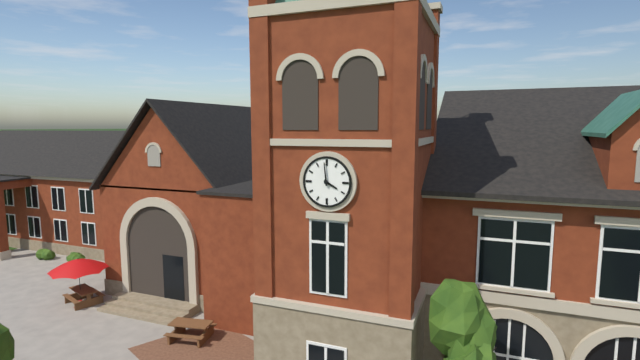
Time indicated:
3h59
